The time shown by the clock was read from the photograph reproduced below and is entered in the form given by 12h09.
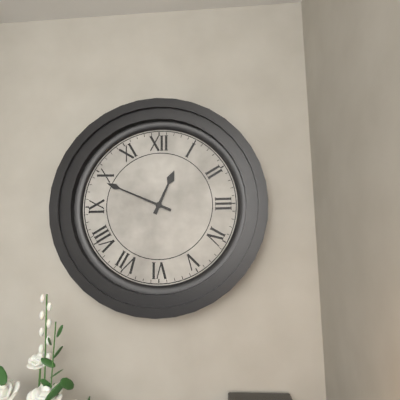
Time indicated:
12h49
